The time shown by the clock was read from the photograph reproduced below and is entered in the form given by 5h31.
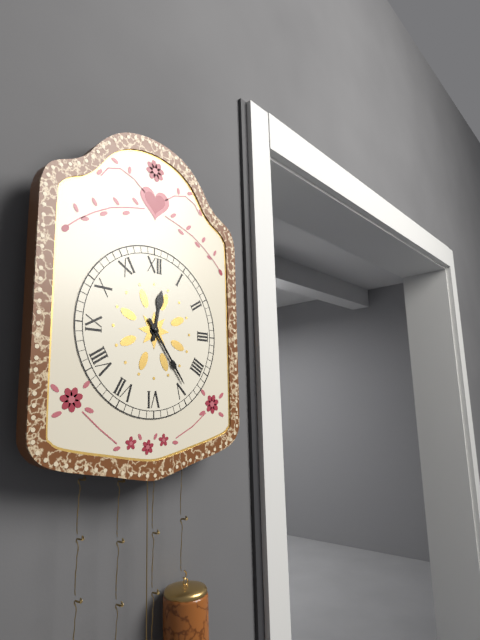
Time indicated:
12h24
